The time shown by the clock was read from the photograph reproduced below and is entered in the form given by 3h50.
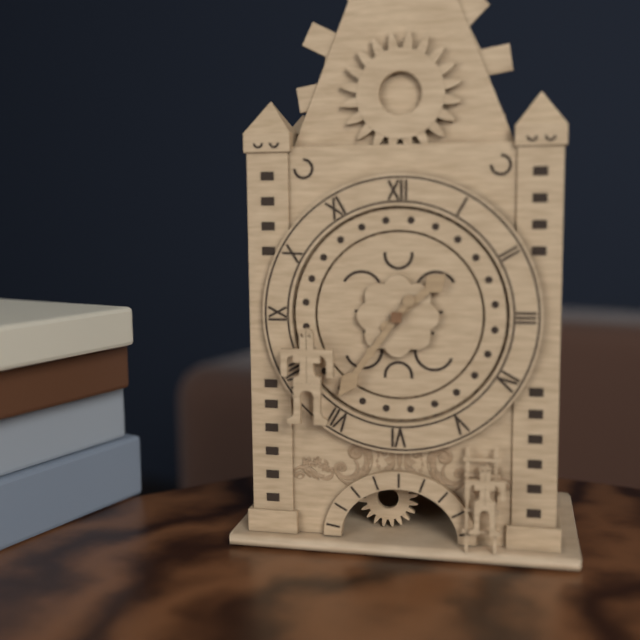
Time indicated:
1h36
